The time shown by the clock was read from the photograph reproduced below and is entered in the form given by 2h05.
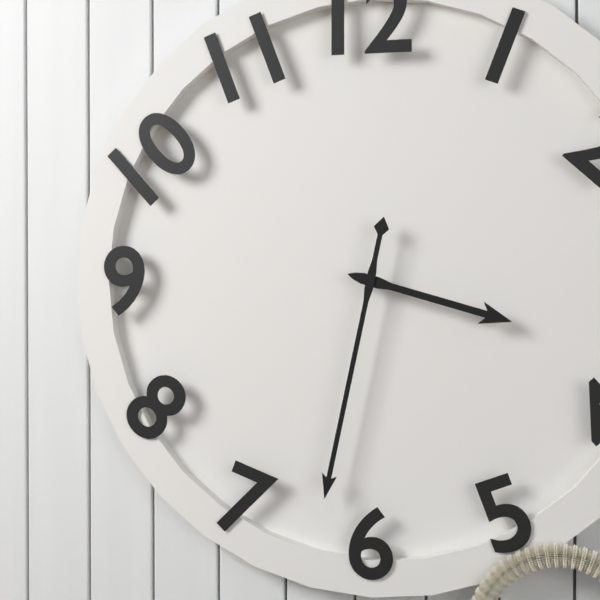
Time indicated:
3h32
